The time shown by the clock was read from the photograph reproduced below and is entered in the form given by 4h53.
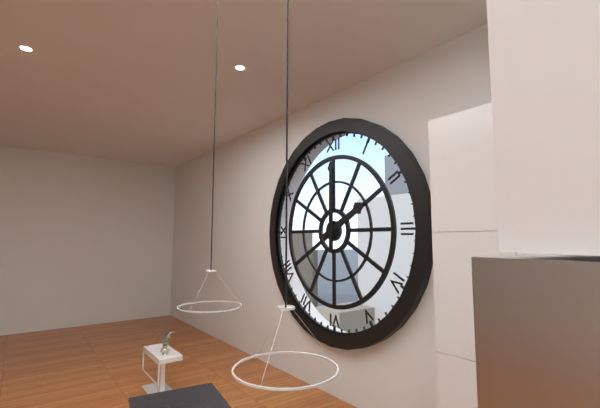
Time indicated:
2h00
